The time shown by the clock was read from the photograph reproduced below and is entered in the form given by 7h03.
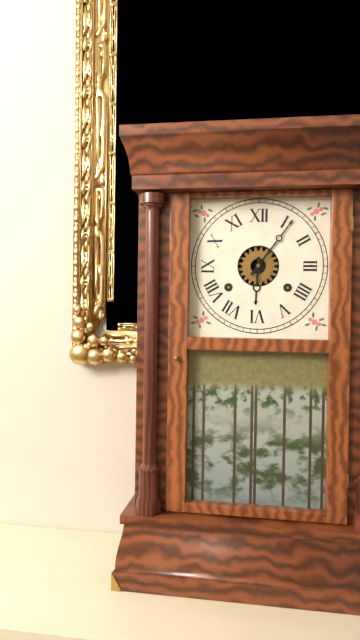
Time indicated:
6h06
